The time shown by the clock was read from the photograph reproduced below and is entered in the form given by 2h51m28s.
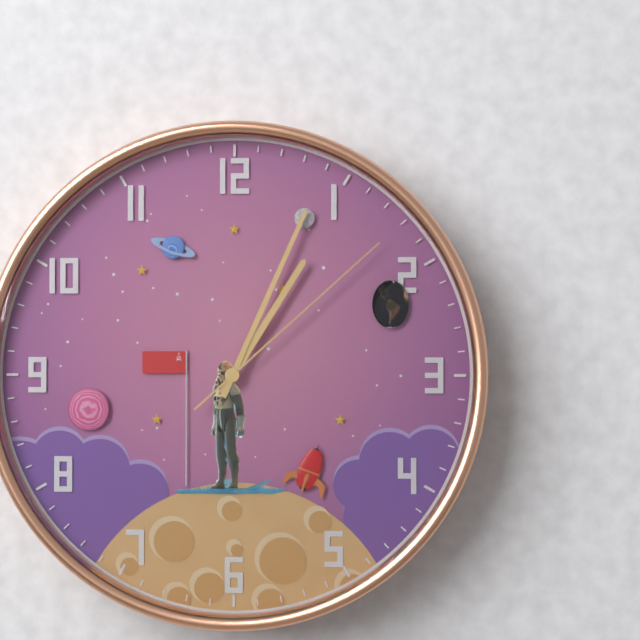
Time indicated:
1h04m08s
